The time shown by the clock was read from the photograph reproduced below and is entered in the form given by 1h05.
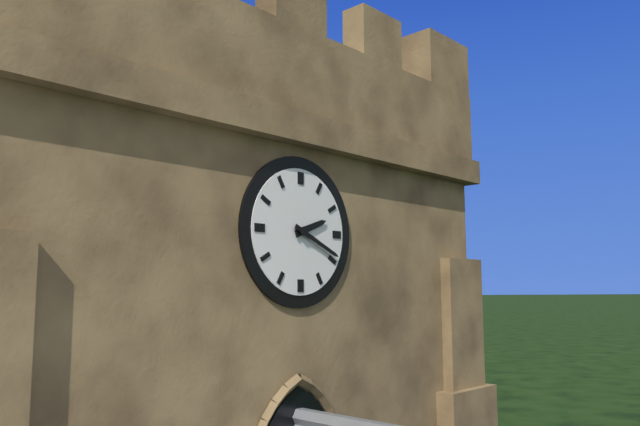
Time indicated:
2h19
